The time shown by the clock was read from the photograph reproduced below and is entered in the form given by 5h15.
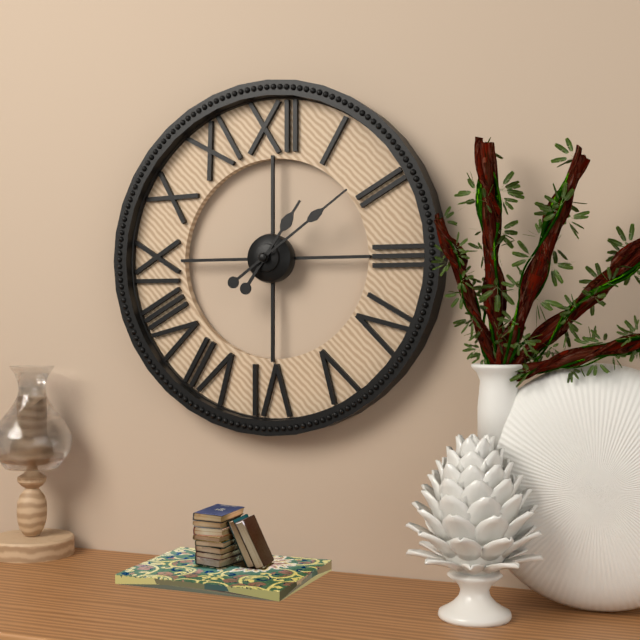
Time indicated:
1h09
